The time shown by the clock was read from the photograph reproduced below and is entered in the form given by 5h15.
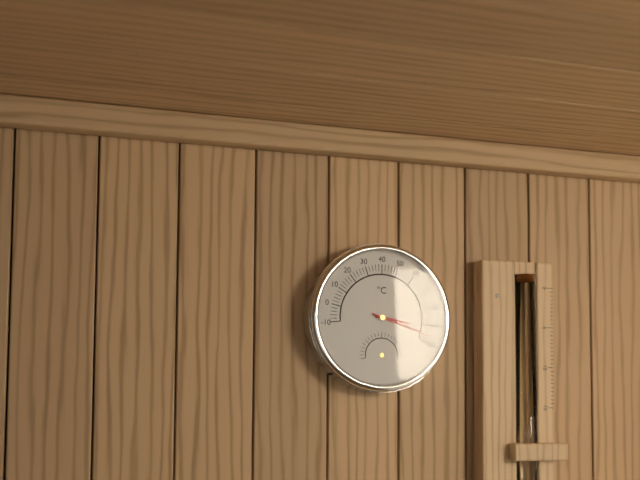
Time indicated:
3h18
